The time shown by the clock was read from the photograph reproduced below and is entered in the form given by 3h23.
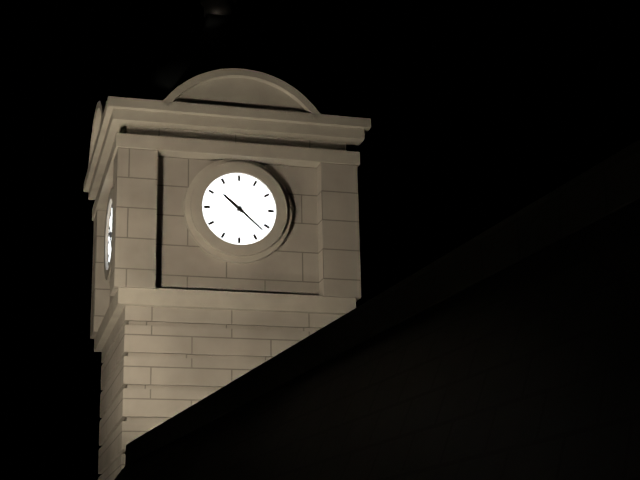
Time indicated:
10h22
